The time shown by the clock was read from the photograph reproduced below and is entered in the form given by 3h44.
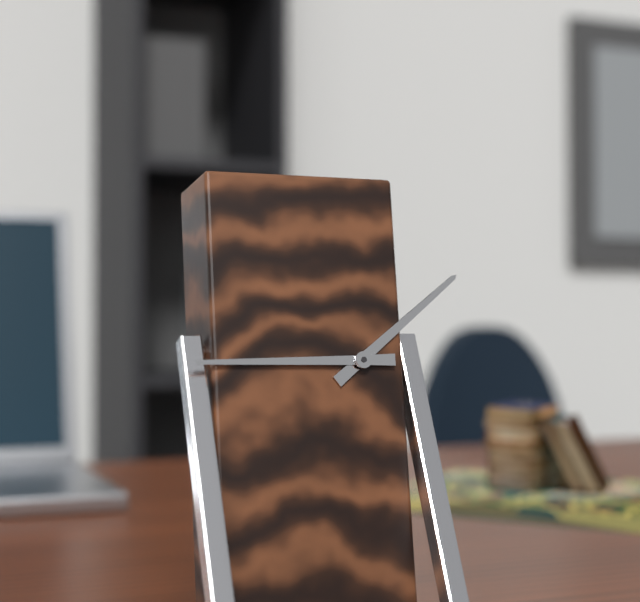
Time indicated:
1h45
